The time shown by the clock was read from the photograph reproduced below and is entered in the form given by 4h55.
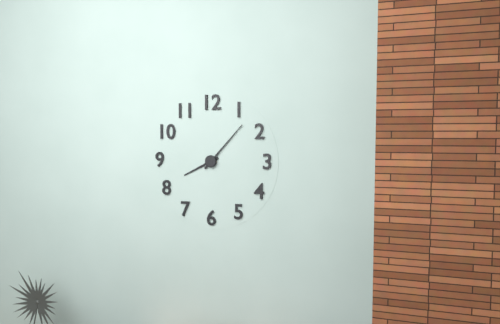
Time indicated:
8h07
